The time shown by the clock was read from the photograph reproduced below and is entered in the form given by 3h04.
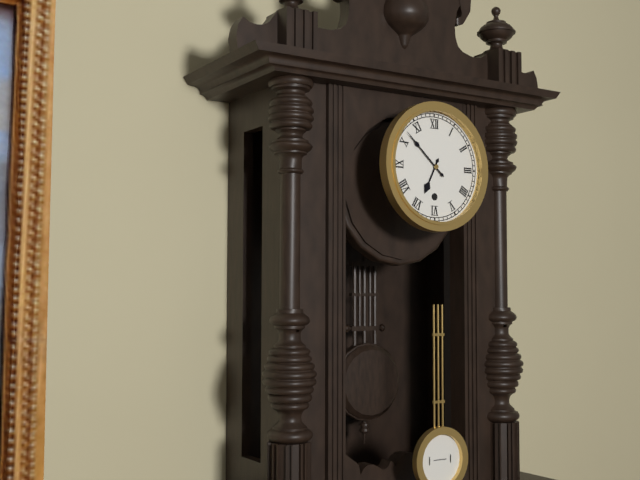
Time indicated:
6h52
